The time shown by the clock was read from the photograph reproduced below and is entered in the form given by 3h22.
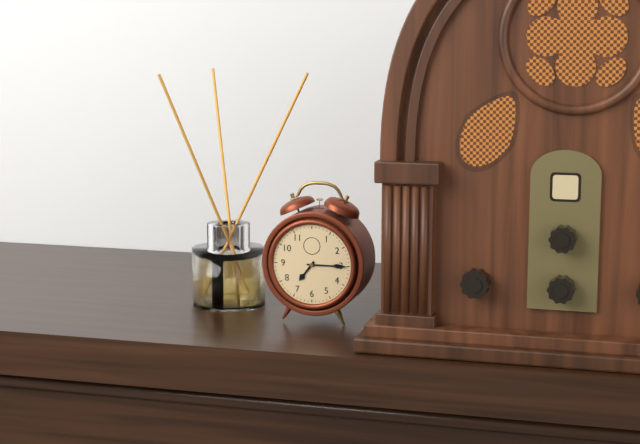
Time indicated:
7h15
